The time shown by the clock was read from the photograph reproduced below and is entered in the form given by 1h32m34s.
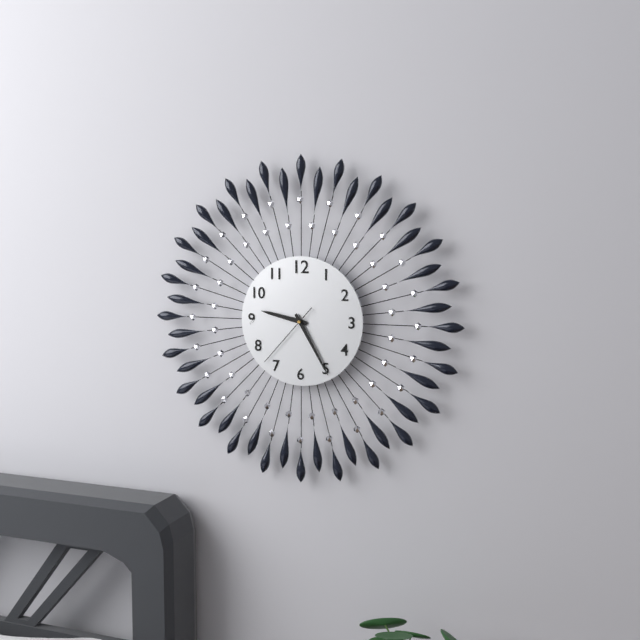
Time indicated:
9h25m37s
